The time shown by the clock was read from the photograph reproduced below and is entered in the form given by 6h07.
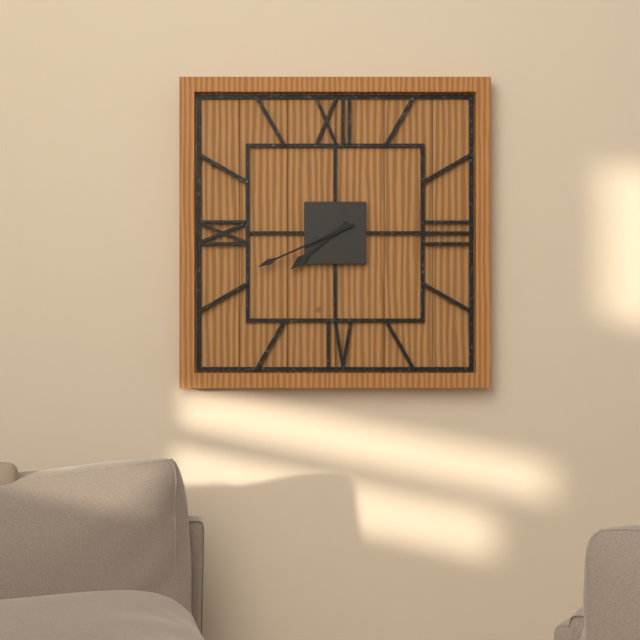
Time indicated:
7h41
